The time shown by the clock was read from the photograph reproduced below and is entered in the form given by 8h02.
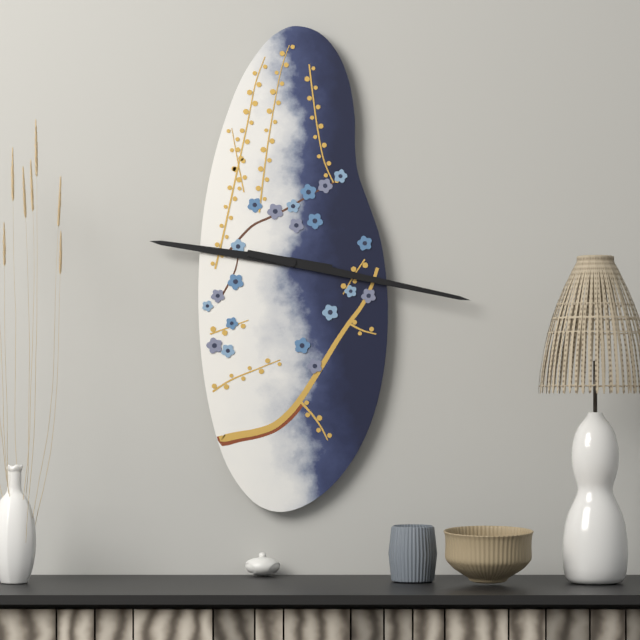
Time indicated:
9h17
